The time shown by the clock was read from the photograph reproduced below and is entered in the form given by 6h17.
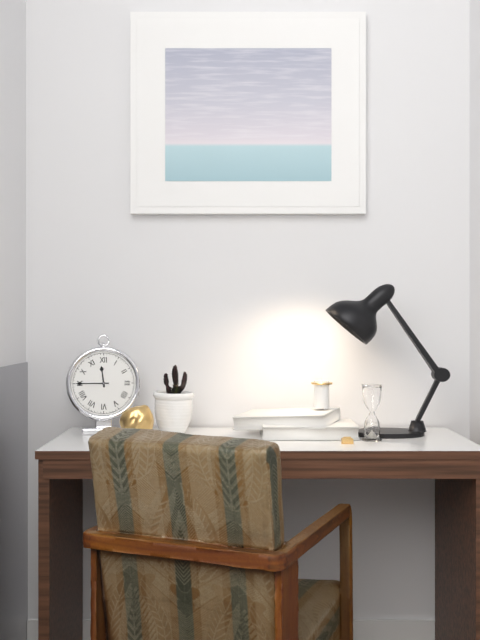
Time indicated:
11h45
